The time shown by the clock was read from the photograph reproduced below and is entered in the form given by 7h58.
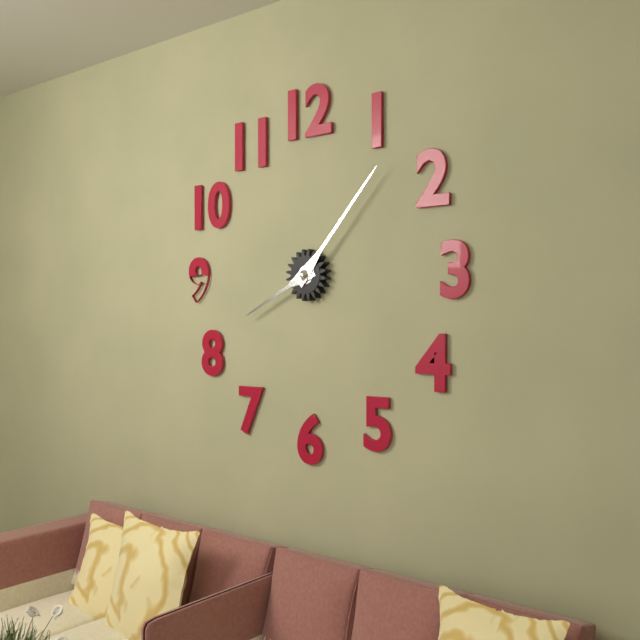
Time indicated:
8h07
